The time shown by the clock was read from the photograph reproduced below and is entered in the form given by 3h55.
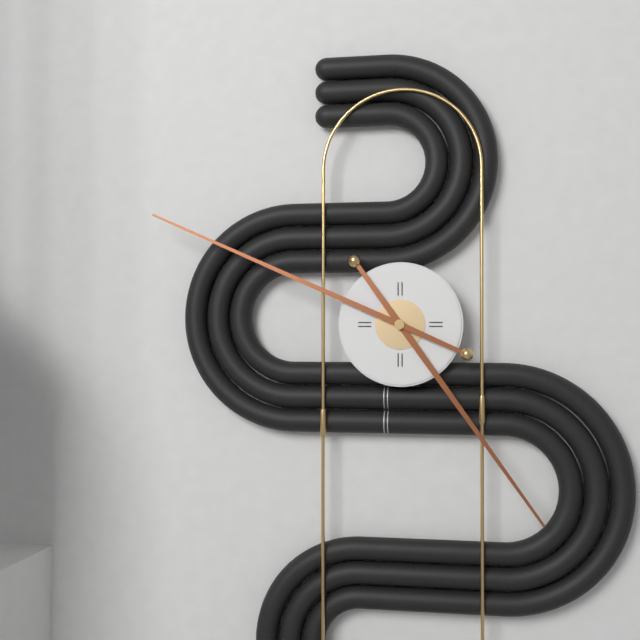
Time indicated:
4h49
